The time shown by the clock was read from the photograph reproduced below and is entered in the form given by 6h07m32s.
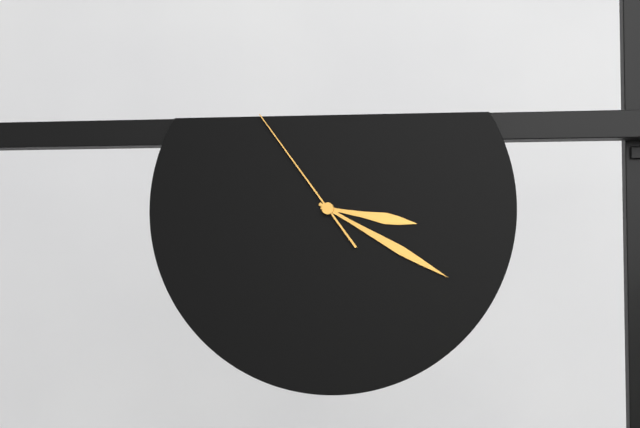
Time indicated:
3h20m54s
